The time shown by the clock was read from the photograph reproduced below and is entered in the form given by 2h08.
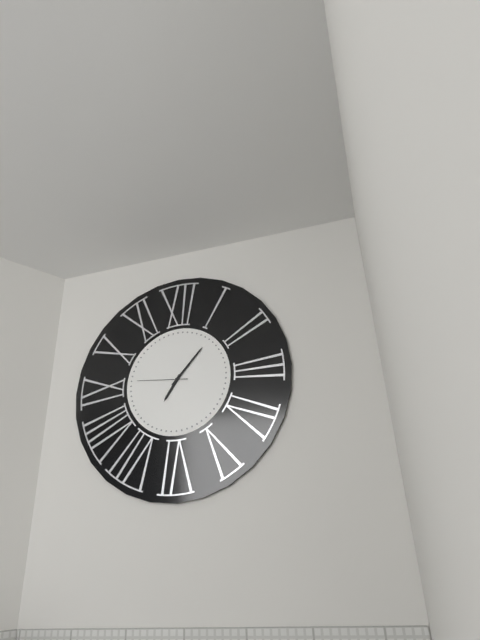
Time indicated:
7h07
